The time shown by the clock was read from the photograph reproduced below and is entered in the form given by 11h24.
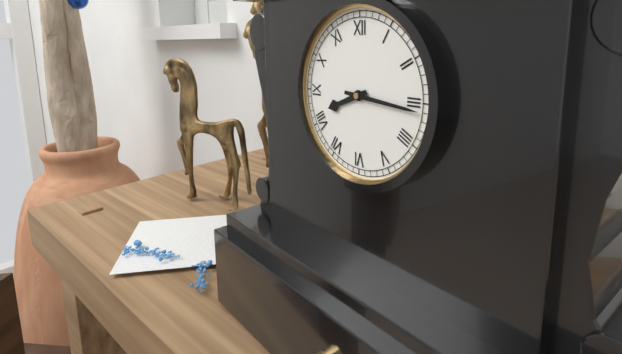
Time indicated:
8h16
